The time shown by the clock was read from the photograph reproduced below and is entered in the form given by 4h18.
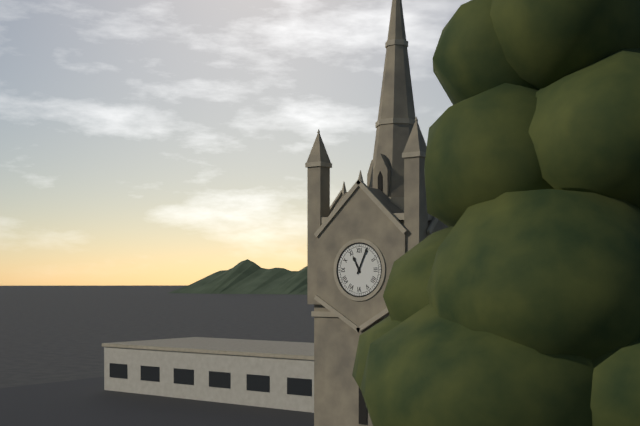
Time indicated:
11h04
